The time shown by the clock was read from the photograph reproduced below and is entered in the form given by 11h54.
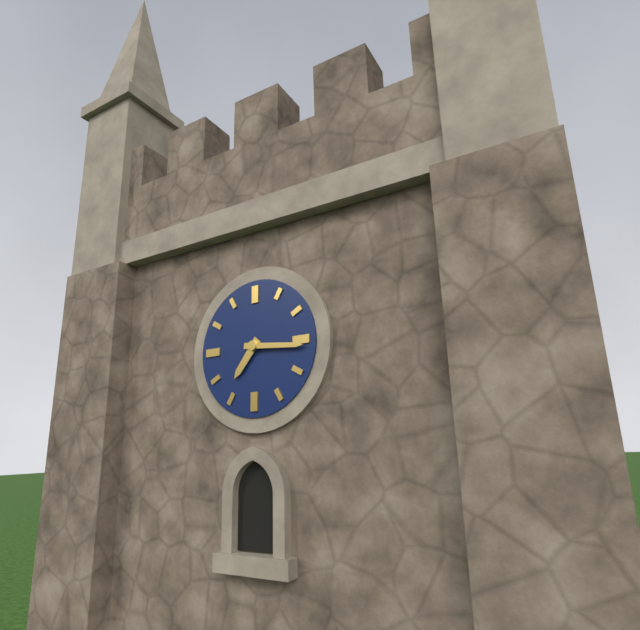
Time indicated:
7h16
